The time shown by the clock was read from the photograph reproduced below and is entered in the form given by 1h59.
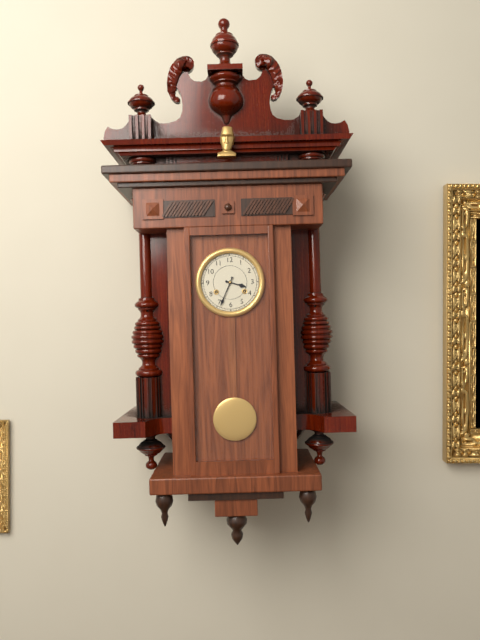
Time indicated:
3h34
